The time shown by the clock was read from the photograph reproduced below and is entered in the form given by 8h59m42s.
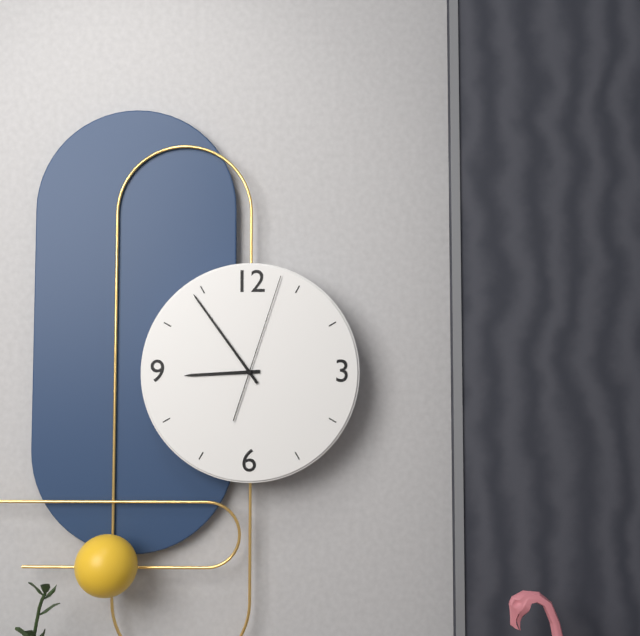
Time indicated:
8h54m03s
